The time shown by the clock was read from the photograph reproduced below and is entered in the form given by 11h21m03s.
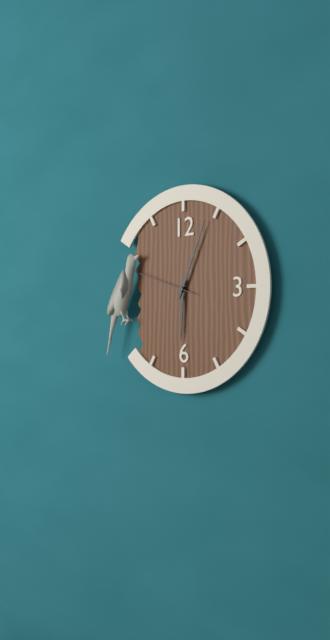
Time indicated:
6h04m48s
